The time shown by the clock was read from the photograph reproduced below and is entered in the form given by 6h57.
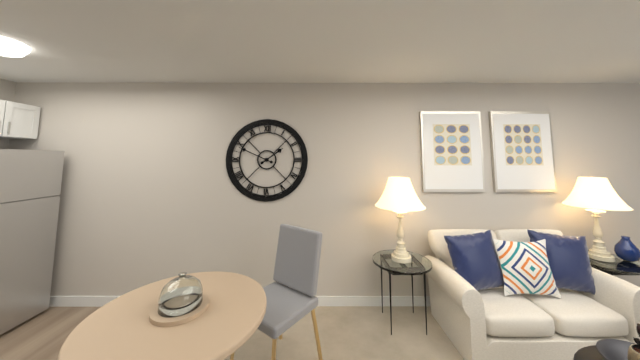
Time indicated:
1h49
